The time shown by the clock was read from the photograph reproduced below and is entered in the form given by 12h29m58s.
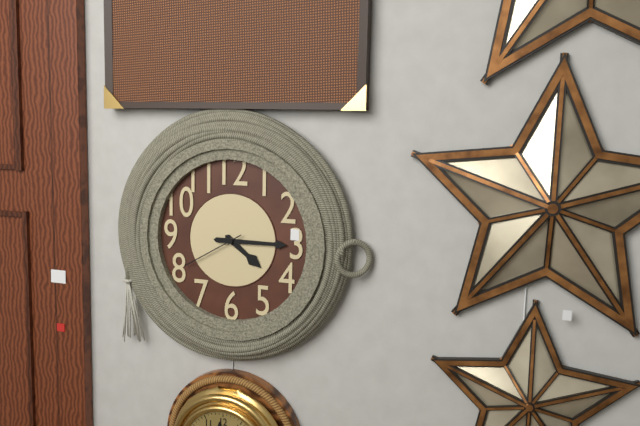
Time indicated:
4h15m40s
